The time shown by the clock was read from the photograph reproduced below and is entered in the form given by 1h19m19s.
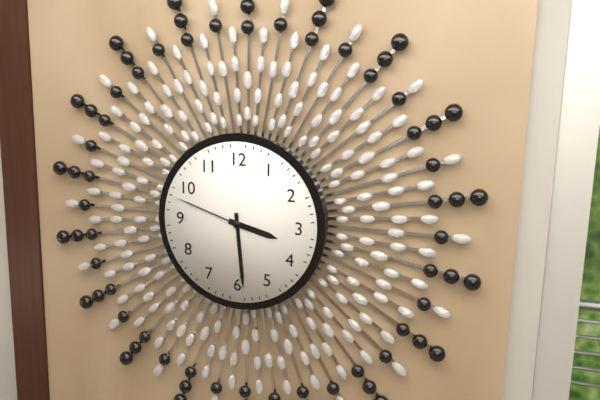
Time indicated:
3h29m48s
